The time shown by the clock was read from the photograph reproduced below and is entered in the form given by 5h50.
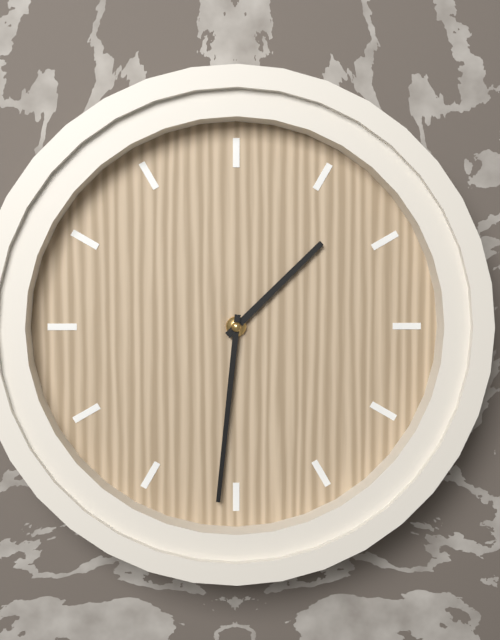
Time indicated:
1h31
